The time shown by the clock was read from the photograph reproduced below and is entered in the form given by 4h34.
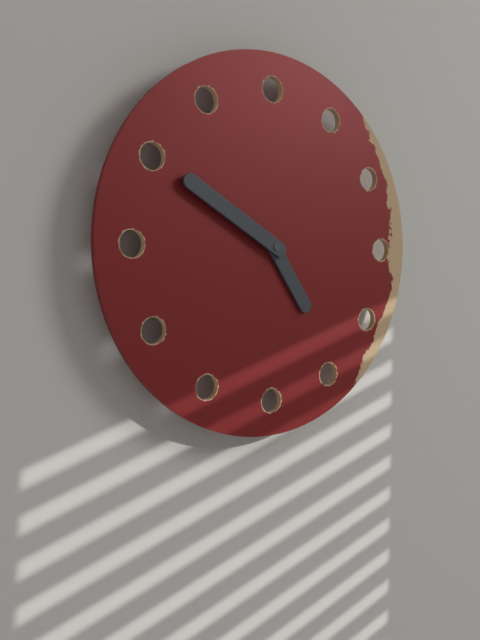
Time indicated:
4h50
